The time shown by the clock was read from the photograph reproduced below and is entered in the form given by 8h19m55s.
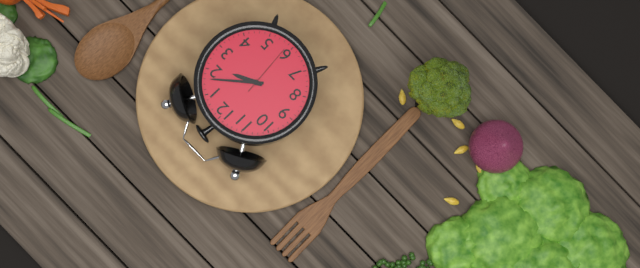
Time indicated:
2h08m29s
